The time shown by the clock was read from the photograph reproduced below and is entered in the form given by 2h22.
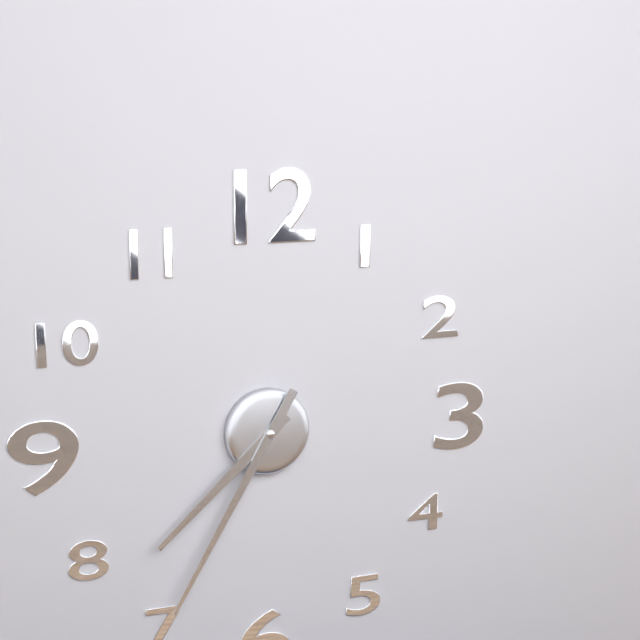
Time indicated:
7h35
